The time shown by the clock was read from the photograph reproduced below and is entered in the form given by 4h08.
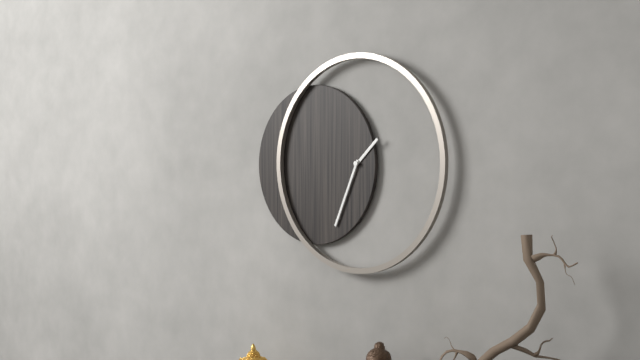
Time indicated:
1h34
